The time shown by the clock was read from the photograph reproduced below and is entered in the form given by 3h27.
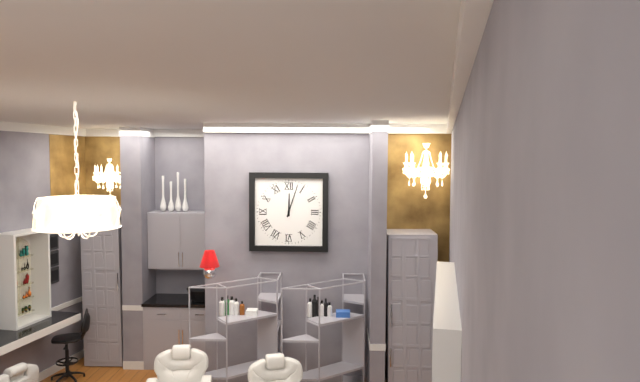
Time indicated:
12h03
